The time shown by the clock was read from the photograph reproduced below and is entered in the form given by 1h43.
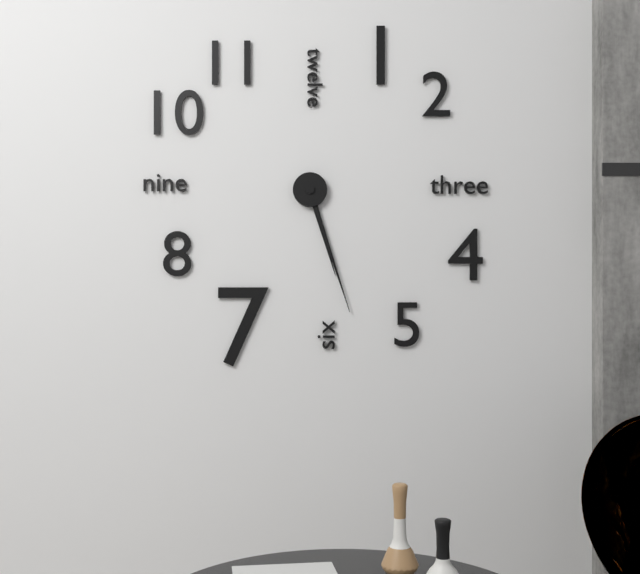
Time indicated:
5h27
